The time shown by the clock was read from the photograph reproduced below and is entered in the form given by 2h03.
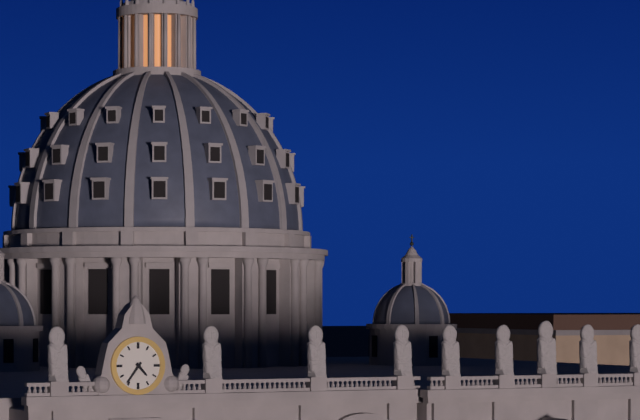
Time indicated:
4h36
